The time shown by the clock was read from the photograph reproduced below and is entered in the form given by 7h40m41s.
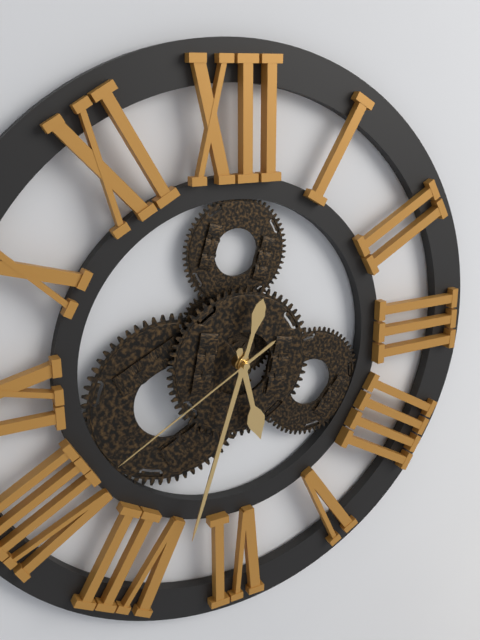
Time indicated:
5h33m40s
